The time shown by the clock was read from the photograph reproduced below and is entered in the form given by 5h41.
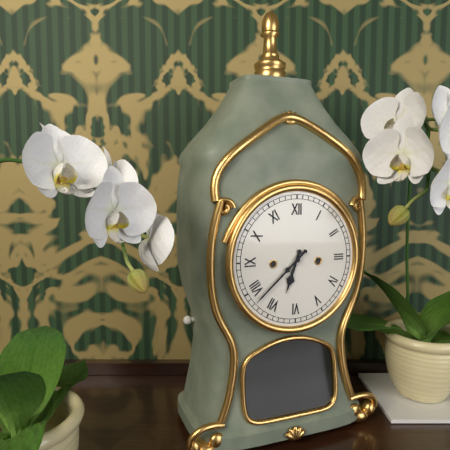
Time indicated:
6h38
